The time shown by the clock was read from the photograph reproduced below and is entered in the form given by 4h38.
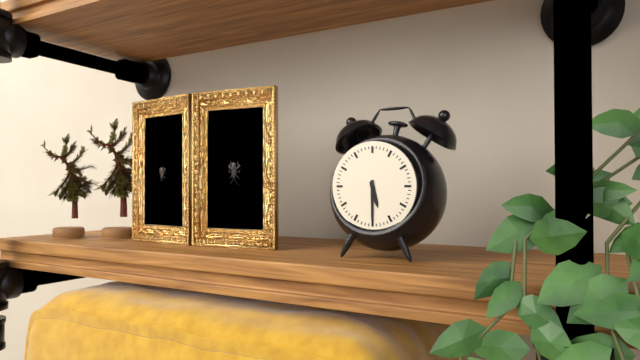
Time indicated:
5h30
